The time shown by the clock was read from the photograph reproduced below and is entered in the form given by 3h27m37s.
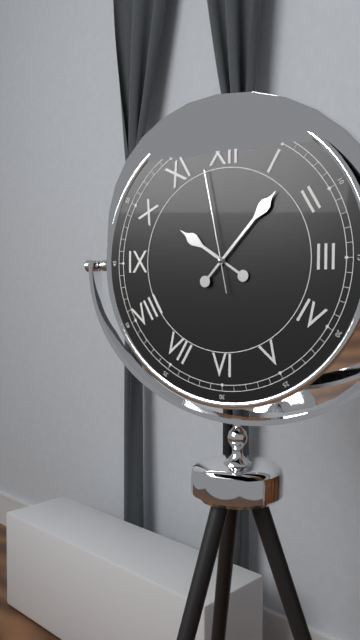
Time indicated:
10h07m58s
